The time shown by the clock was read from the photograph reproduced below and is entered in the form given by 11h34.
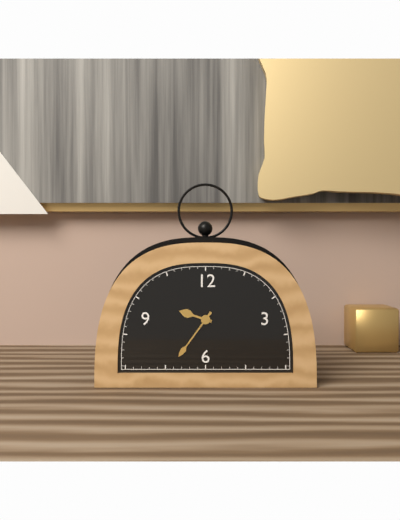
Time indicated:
9h36
